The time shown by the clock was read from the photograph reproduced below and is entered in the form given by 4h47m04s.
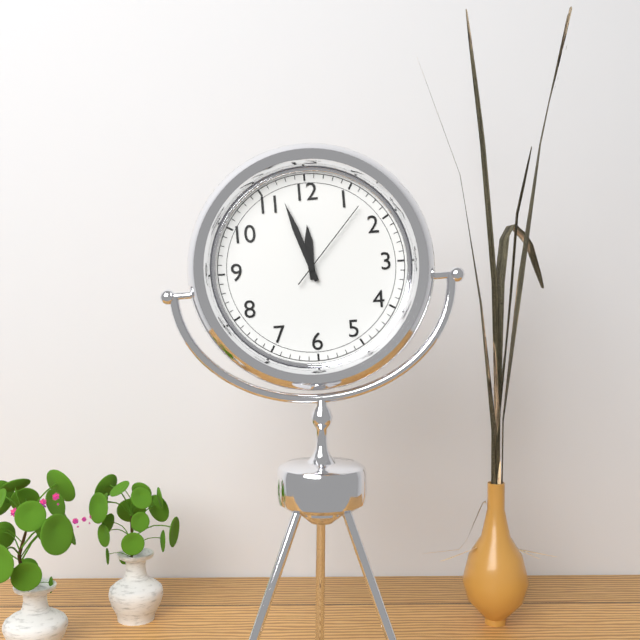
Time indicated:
11h57m07s
